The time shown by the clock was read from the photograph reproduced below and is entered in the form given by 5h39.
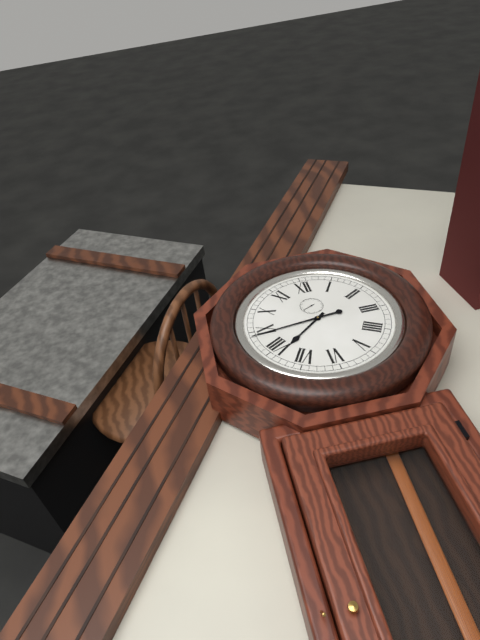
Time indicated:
7h44
